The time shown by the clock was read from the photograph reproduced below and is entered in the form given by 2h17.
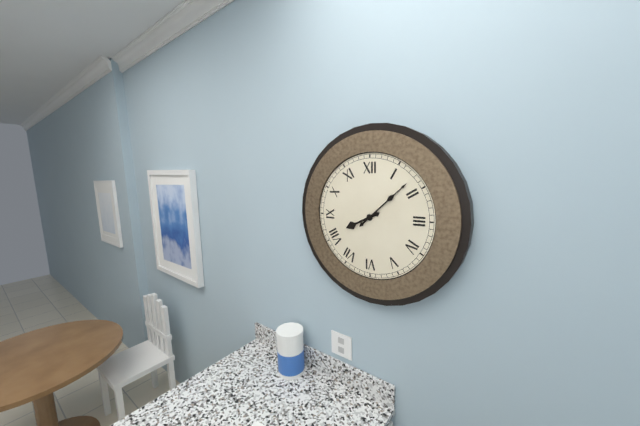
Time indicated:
8h08
